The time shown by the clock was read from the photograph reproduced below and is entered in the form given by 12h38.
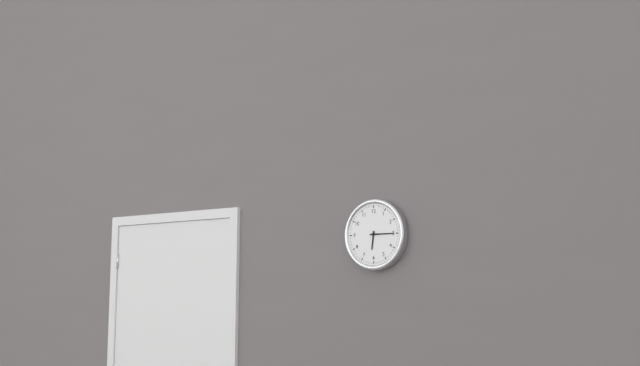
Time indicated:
6h15
